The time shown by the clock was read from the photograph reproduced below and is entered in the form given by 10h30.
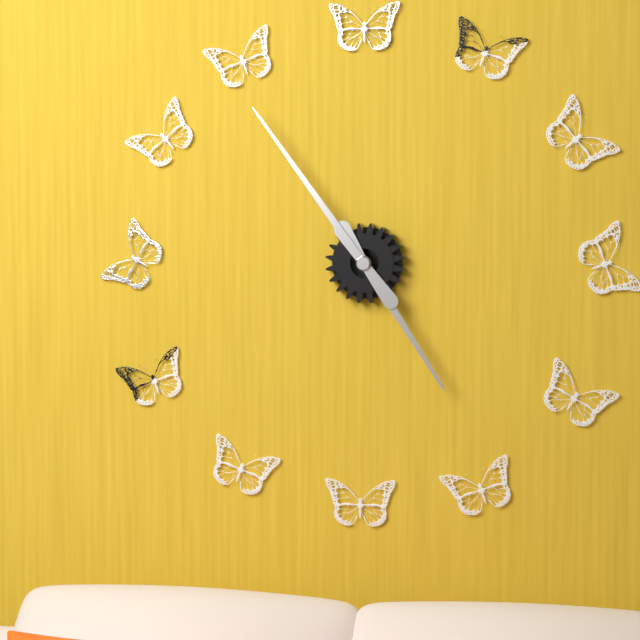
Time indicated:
4h54
